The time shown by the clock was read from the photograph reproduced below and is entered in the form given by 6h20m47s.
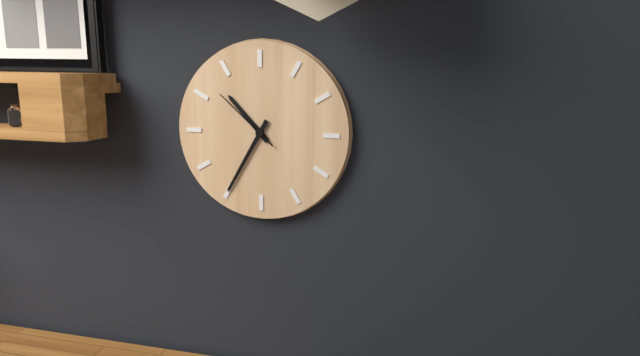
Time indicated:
10h35m52s
